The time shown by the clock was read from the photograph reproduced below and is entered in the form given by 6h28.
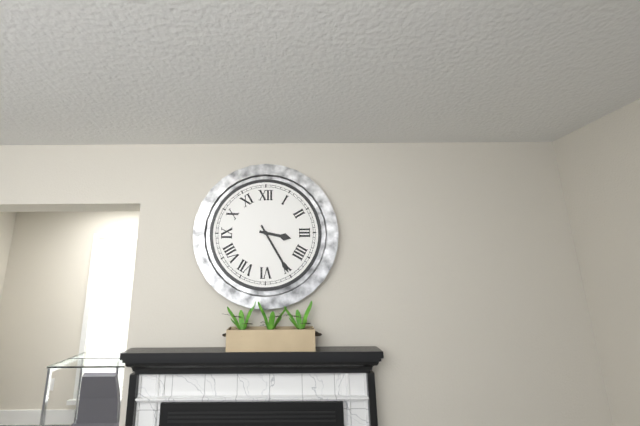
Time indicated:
3h25
